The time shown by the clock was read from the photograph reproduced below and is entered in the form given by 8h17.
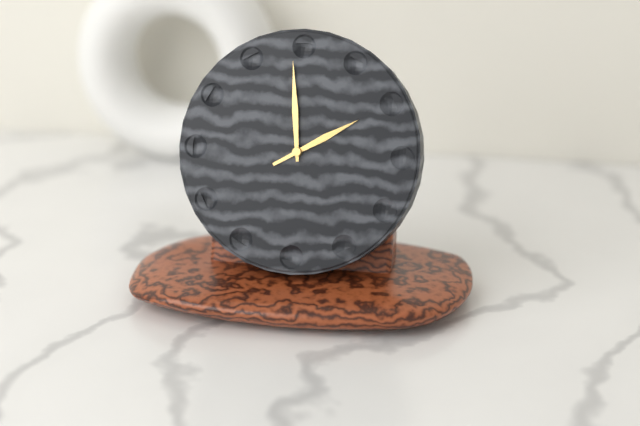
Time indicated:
1h59
